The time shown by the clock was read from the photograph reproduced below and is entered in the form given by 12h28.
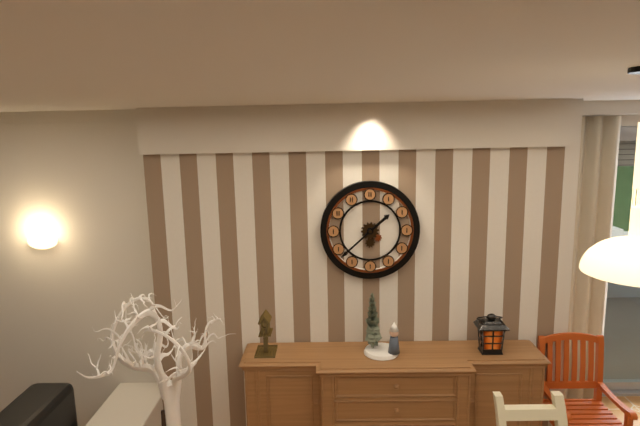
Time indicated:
1h38
